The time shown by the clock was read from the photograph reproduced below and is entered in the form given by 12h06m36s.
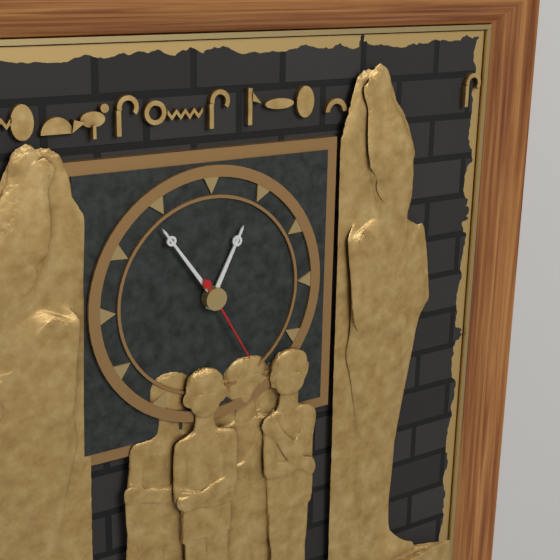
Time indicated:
12h54m25s
